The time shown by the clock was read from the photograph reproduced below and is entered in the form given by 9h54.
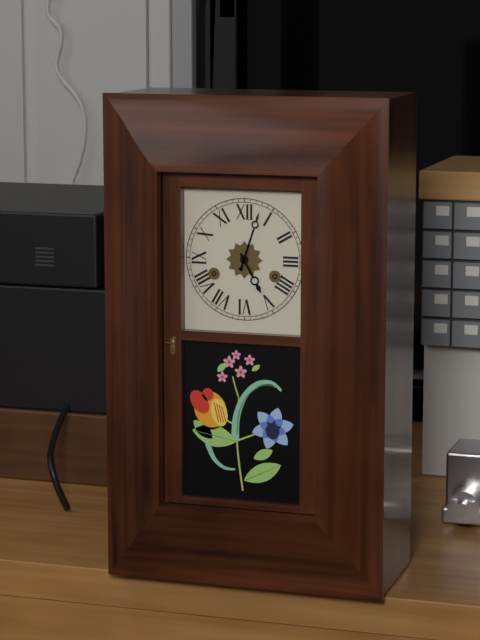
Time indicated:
5h03
